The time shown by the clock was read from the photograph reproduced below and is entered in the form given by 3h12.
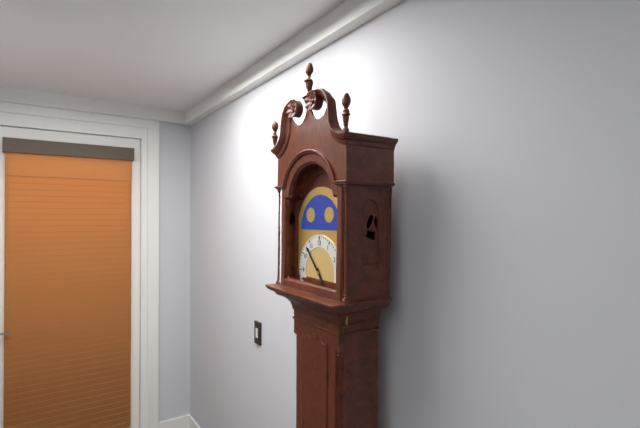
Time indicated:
4h53
